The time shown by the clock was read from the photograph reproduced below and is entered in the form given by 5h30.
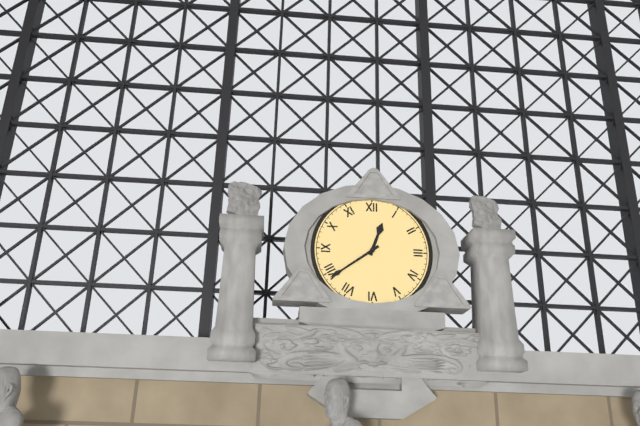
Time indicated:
12h39
